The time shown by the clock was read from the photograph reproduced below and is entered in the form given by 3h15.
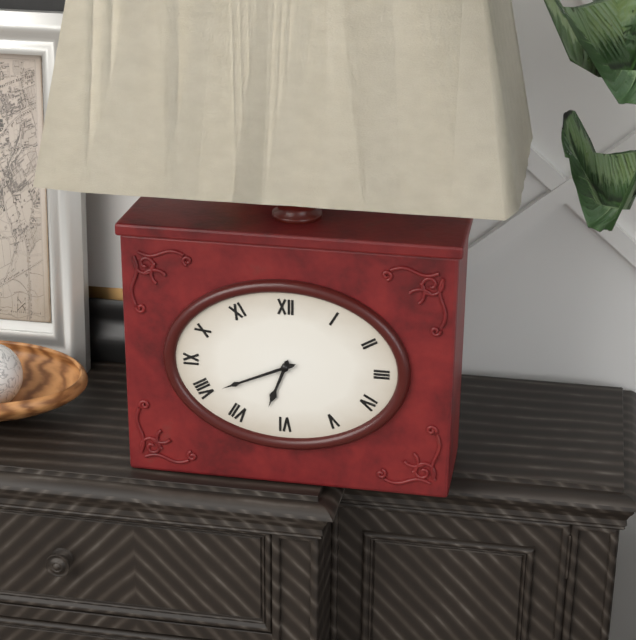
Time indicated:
6h41
